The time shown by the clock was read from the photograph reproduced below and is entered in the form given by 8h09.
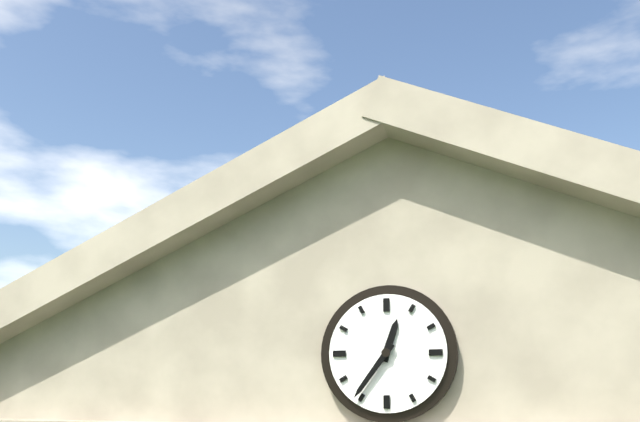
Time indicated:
12h36
